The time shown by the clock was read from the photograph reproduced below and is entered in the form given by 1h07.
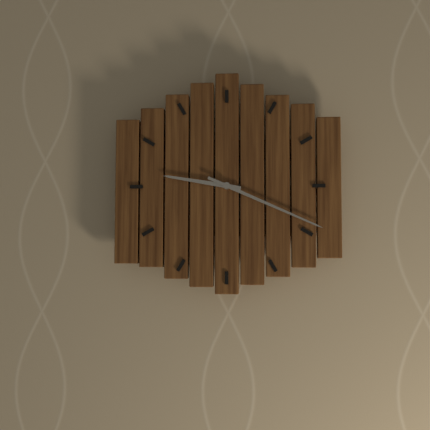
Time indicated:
9h19
